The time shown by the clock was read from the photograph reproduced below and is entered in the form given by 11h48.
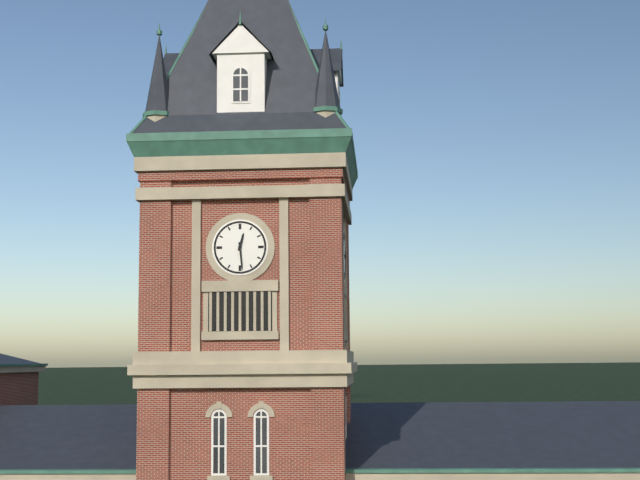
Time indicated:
12h29
